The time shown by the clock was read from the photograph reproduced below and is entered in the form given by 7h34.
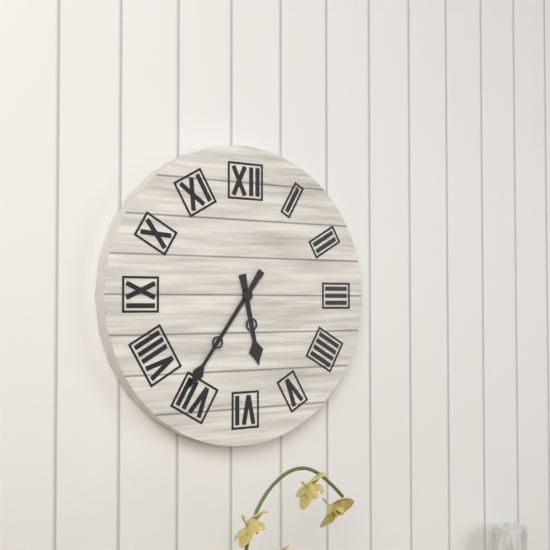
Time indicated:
5h36
